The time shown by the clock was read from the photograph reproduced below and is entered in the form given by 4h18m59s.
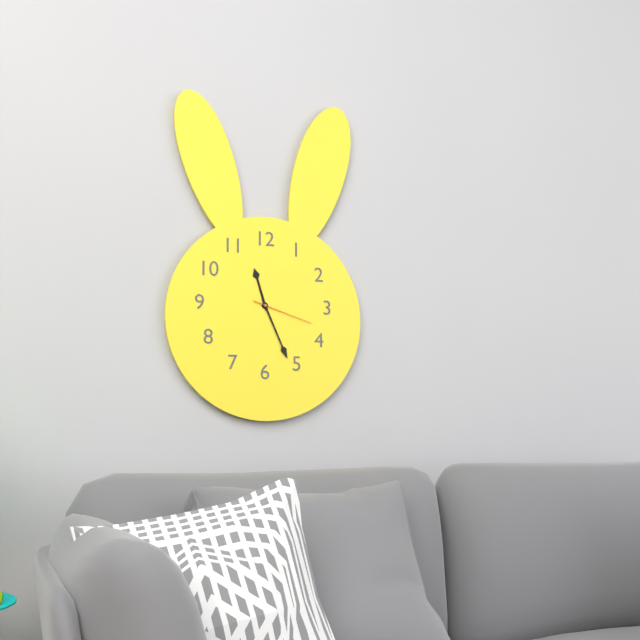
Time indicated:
11h26m18s
